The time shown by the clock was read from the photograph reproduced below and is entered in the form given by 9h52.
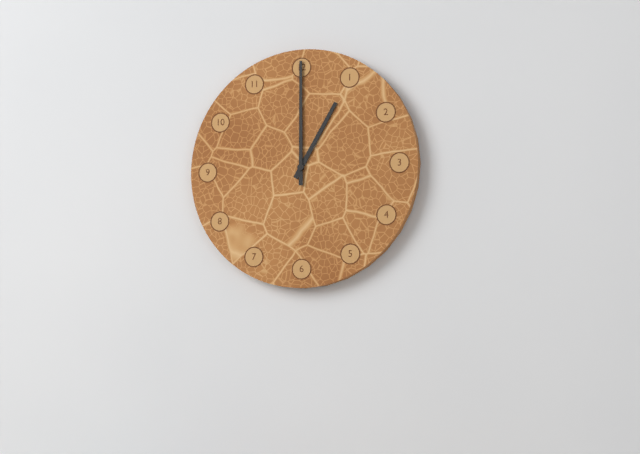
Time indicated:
1h00
